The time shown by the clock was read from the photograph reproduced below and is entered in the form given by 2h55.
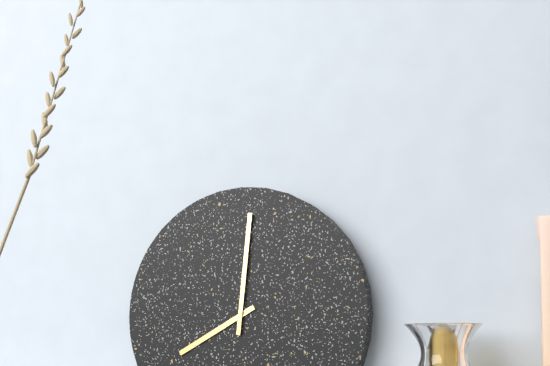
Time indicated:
8h01
